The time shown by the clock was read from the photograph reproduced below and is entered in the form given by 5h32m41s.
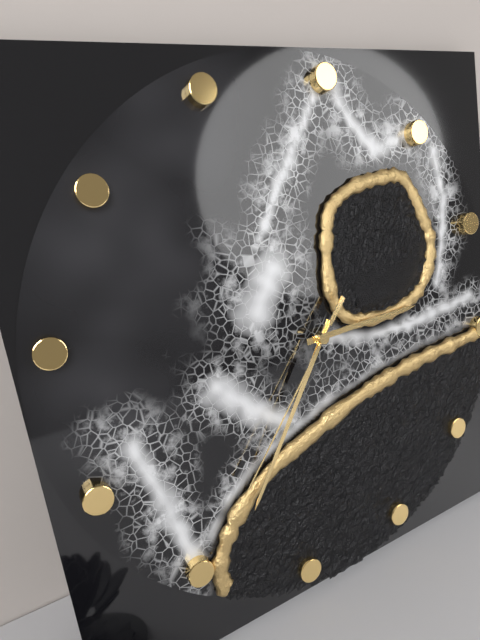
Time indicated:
2h34m35s
